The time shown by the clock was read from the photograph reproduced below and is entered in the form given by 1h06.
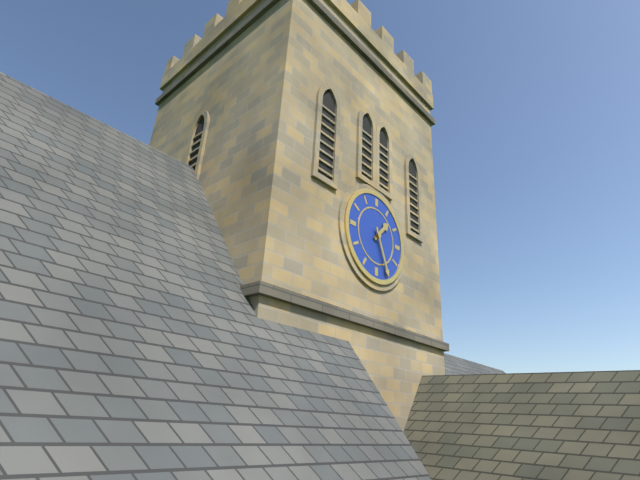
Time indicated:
1h26
